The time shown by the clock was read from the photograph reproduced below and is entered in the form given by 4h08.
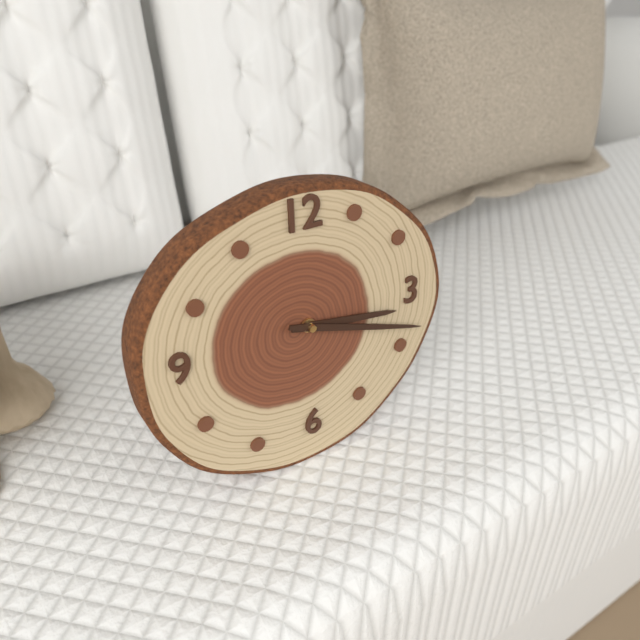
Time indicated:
3h18
